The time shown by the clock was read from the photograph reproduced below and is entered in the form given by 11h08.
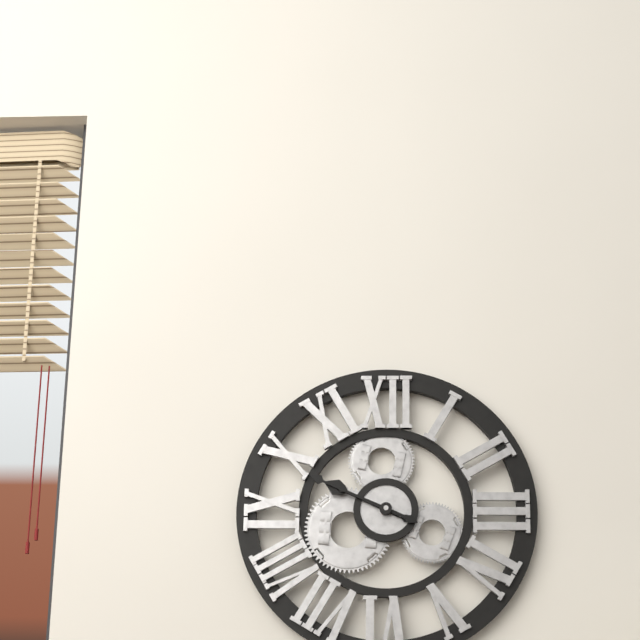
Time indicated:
9h49
